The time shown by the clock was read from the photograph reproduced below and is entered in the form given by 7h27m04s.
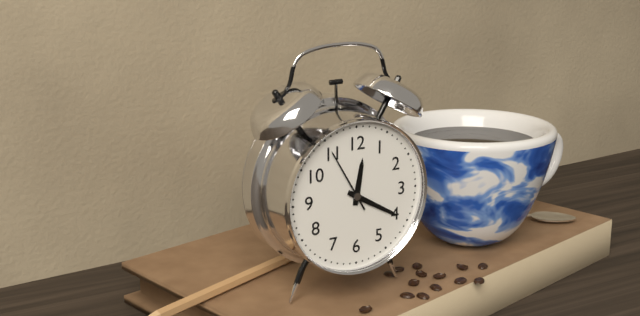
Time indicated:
12h20m55s
